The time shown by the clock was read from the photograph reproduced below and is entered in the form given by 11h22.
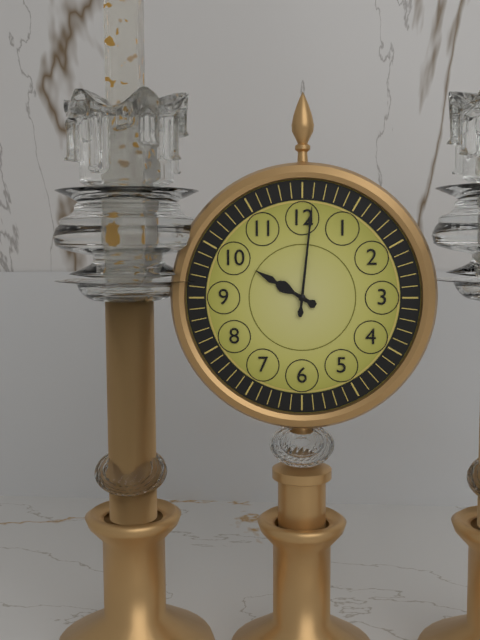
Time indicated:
10h01
